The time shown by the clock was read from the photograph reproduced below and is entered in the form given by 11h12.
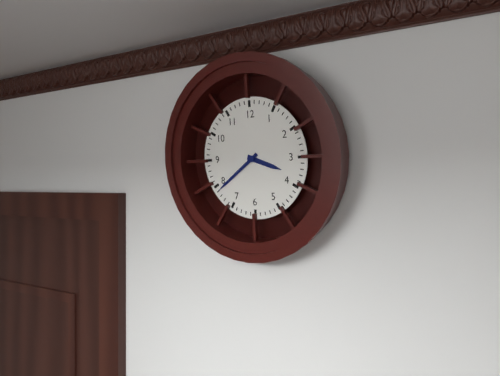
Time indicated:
3h39
